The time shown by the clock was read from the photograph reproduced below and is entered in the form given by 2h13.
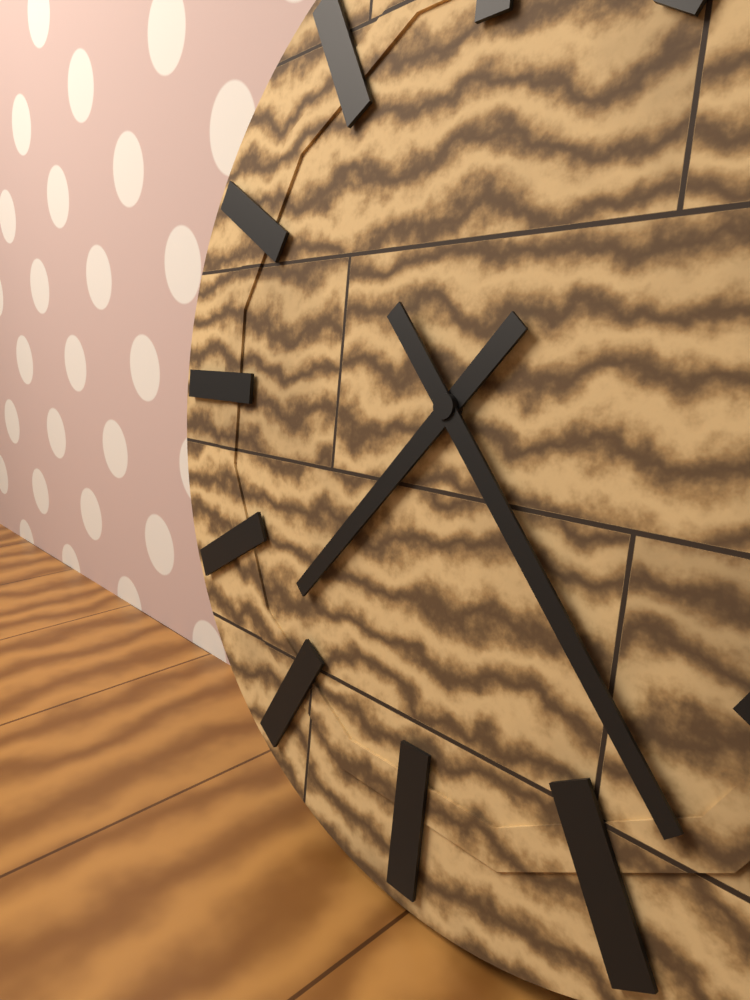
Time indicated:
7h23
